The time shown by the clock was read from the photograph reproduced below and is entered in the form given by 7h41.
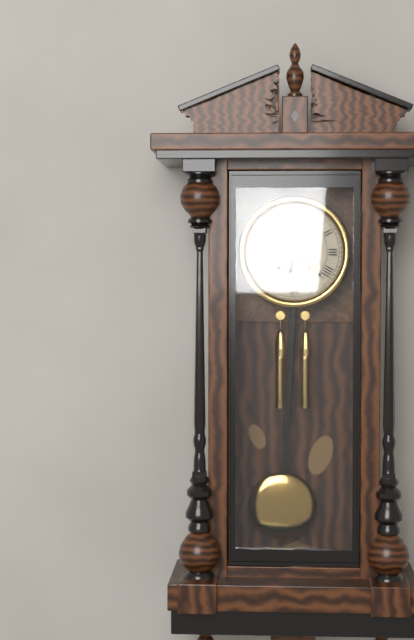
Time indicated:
6h22
